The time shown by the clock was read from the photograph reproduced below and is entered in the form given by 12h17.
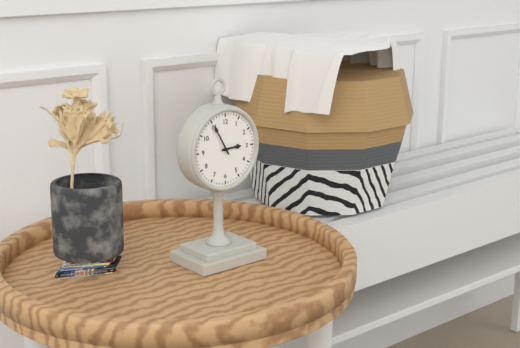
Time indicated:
2h55
